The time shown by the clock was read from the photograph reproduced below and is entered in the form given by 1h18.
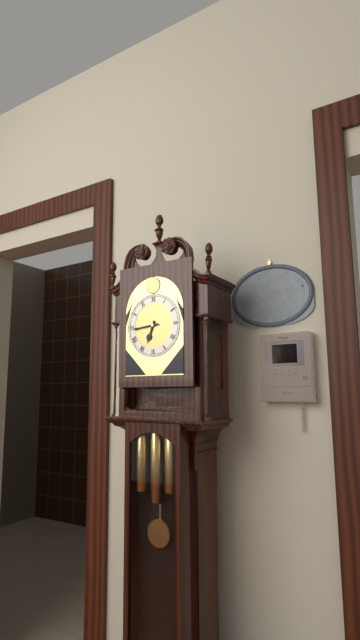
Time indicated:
6h44
